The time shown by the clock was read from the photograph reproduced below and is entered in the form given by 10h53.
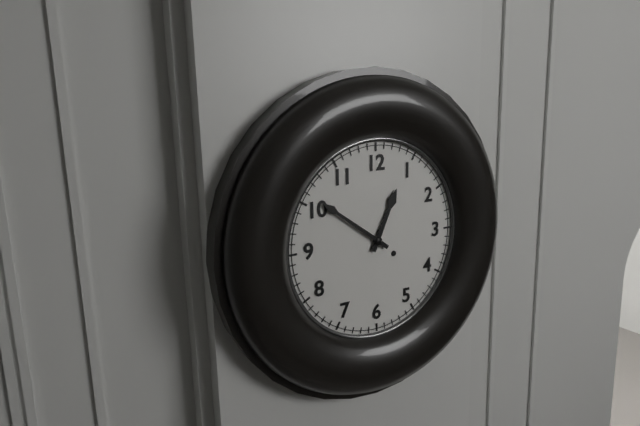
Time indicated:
12h51
